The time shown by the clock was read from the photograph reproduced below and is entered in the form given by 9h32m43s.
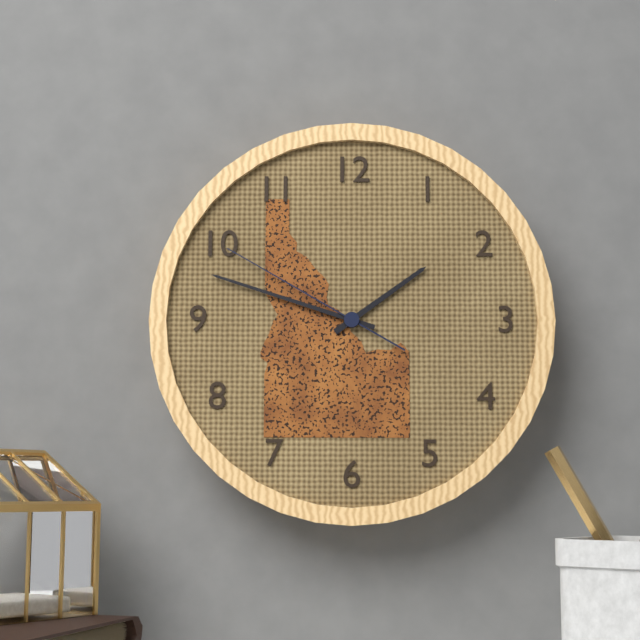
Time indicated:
1h48m50s
